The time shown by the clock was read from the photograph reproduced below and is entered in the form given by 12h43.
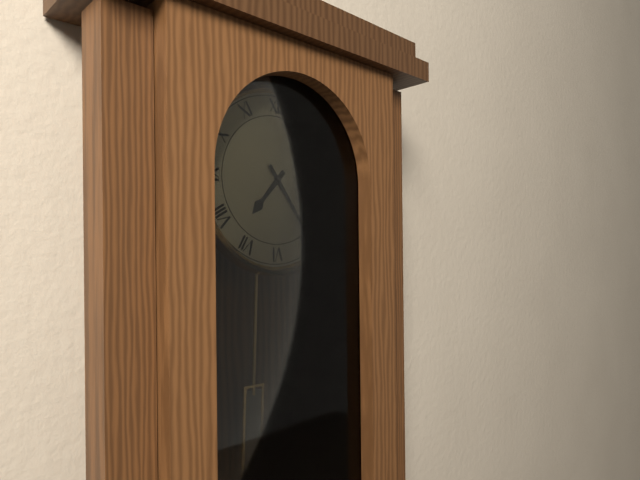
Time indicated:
7h24
